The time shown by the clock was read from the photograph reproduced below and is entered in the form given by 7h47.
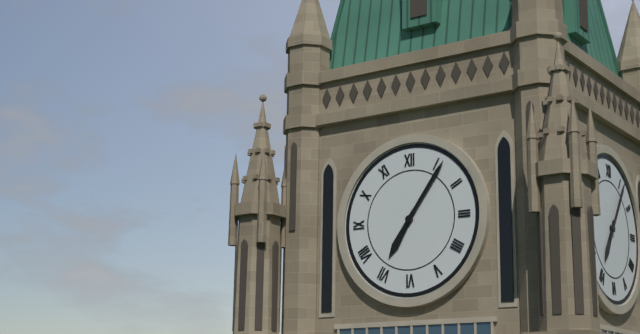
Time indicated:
7h06
